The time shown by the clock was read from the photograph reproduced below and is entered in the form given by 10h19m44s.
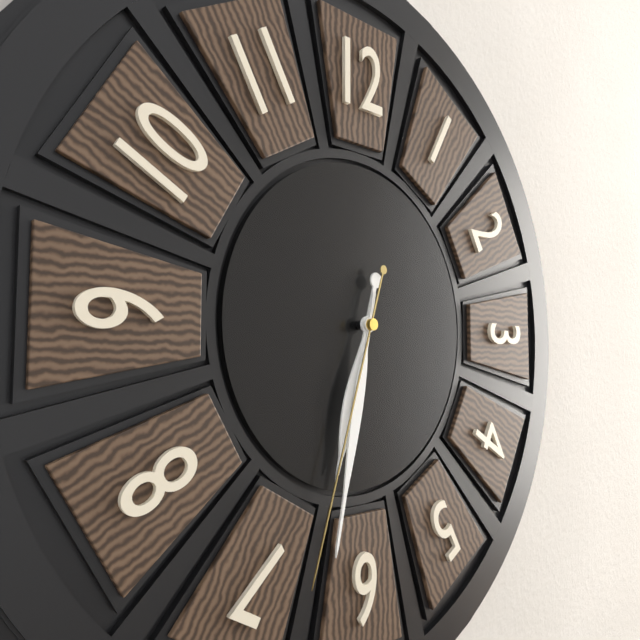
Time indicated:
6h32m33s
